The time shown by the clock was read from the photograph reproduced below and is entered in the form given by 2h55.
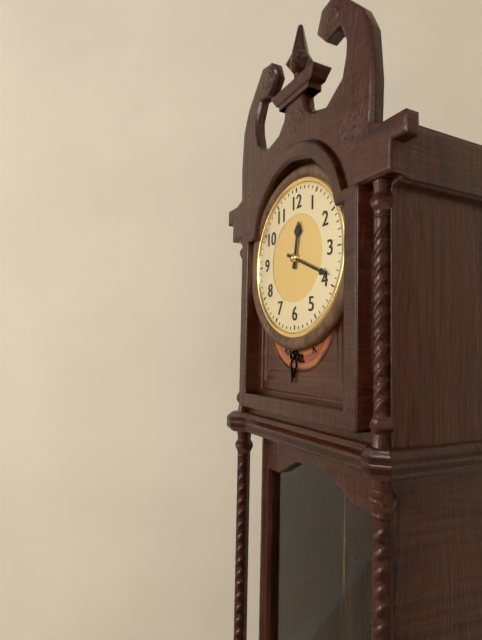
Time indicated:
12h19
